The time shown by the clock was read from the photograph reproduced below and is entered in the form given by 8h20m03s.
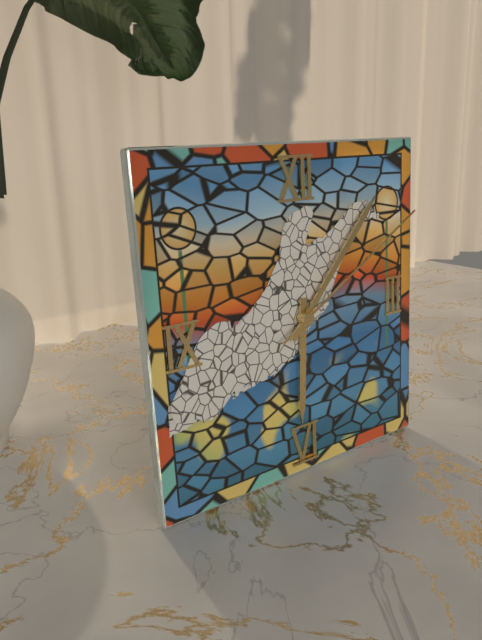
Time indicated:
6h07m10s
